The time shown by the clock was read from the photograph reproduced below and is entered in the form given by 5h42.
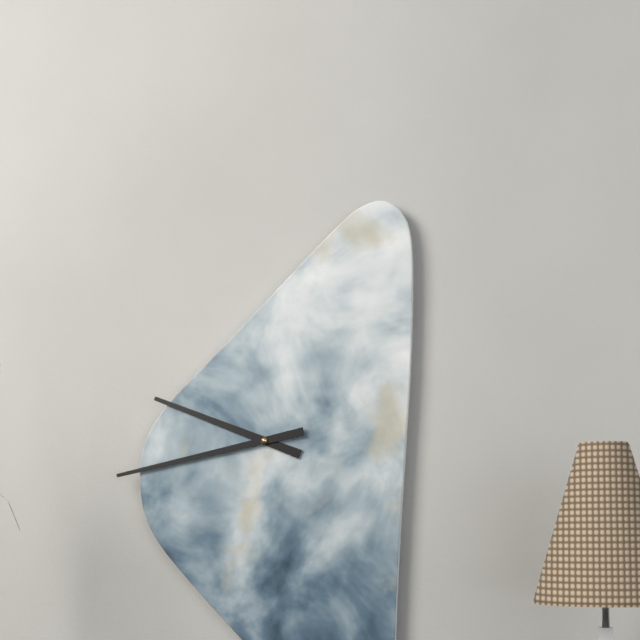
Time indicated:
9h43
